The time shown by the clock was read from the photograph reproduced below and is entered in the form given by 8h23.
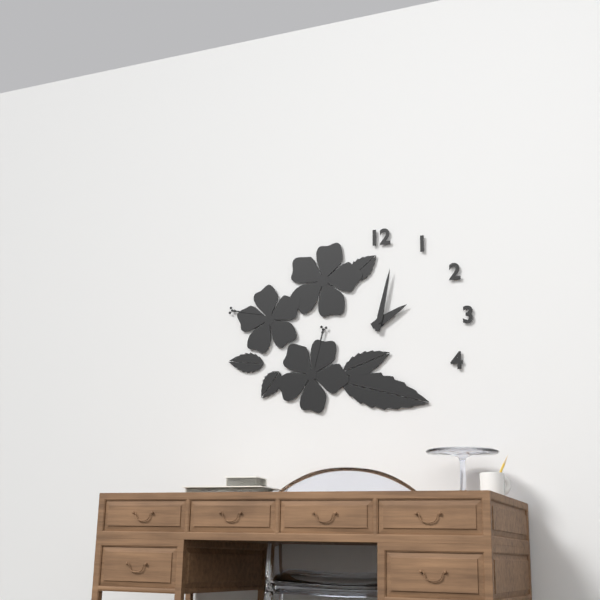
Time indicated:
2h02
